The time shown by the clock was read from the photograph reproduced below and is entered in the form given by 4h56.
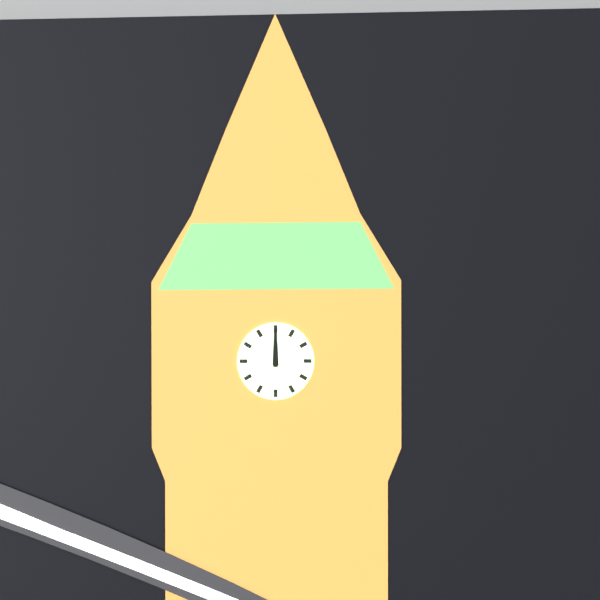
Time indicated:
12h00
